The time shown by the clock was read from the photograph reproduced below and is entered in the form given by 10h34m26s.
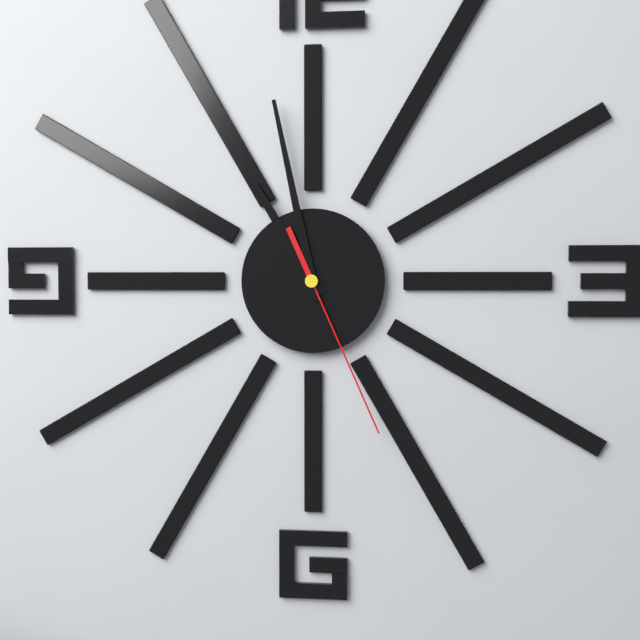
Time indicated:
10h58m26s
